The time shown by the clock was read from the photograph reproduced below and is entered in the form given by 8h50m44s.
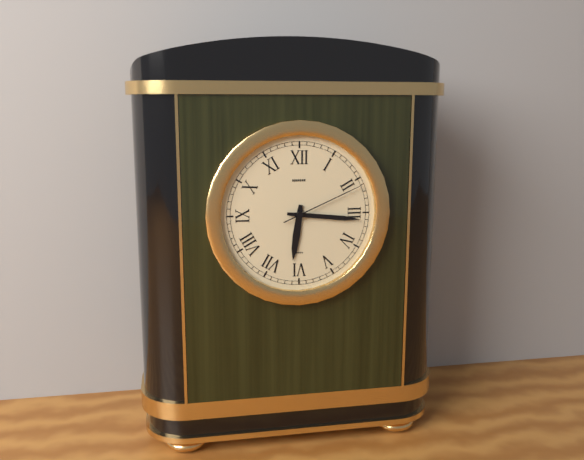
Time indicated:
6h16m11s
